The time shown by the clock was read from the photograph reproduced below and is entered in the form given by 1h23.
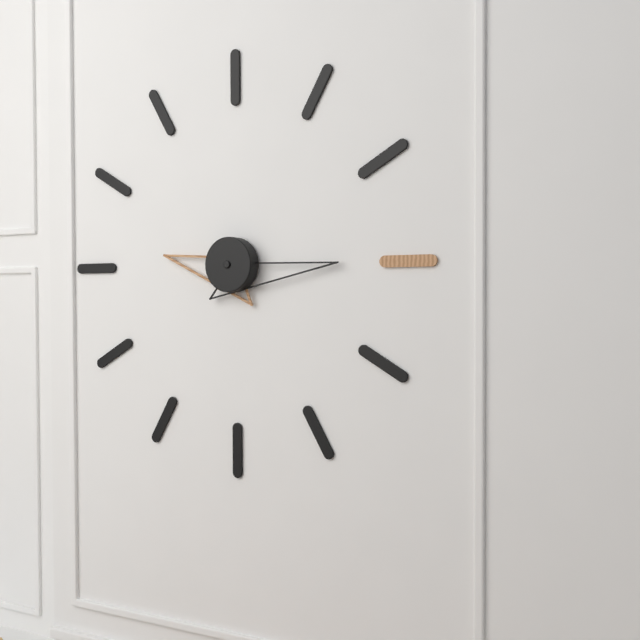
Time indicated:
9h15
